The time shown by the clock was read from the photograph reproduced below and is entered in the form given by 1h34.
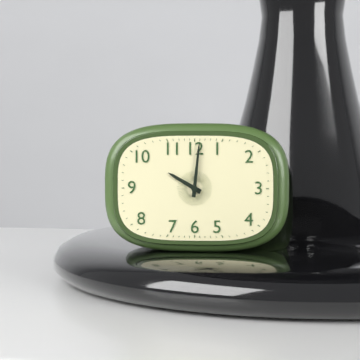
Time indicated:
10h01
